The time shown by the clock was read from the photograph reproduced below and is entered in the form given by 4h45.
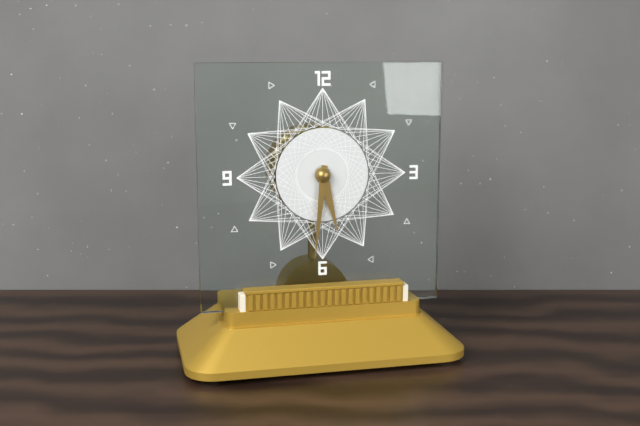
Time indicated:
5h31
